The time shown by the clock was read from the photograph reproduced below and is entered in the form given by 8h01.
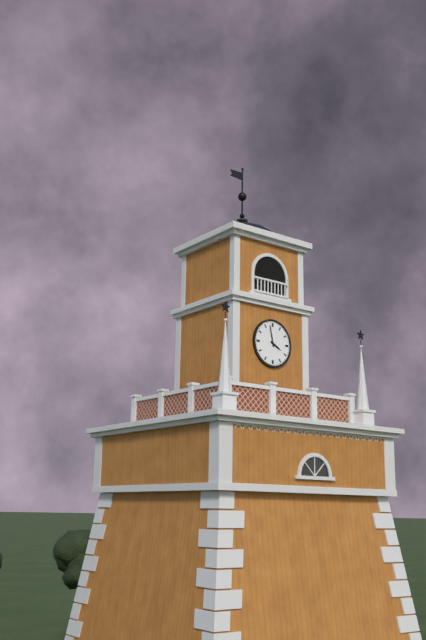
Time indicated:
3h58
